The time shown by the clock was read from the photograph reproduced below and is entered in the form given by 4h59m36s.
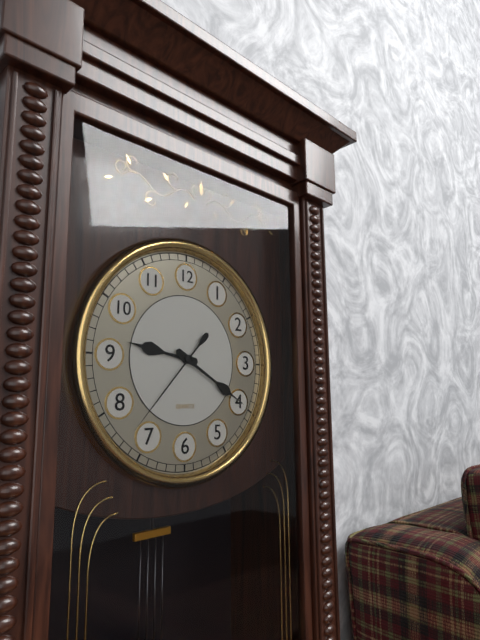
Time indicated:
9h20m37s
